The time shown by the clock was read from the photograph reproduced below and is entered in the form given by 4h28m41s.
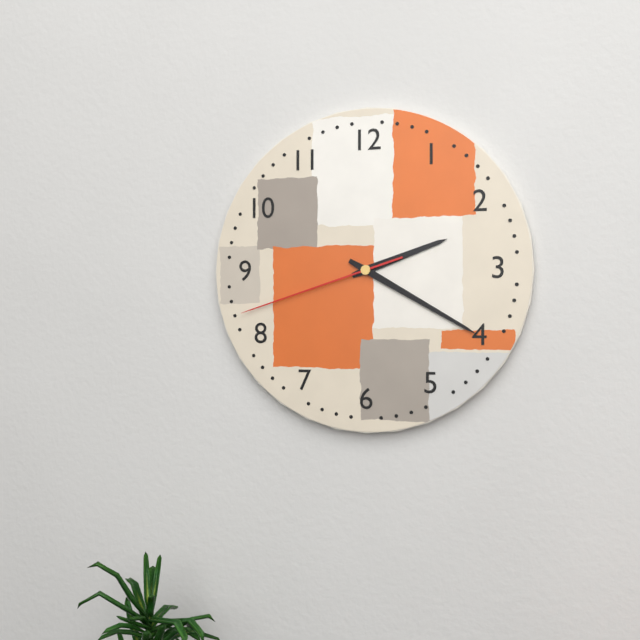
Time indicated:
2h20m42s
